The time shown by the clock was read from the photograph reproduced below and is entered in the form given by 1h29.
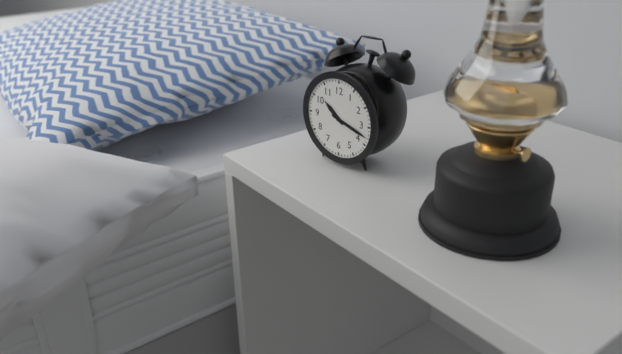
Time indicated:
10h18
